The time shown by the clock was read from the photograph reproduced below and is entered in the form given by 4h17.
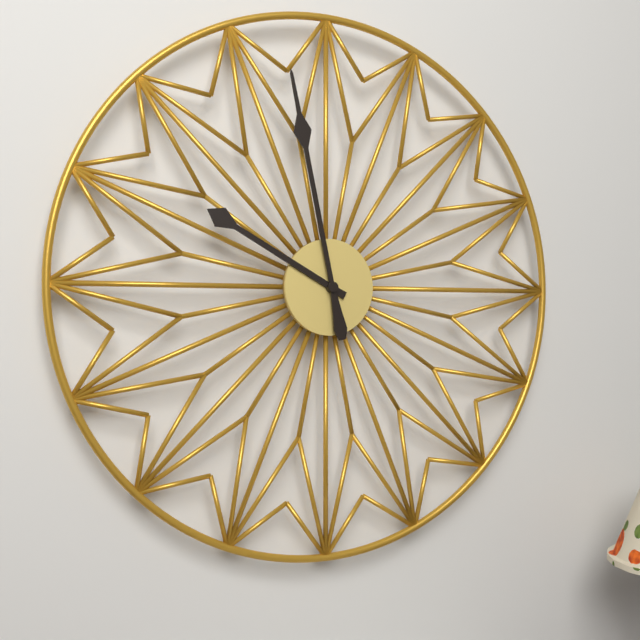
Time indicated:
9h58
